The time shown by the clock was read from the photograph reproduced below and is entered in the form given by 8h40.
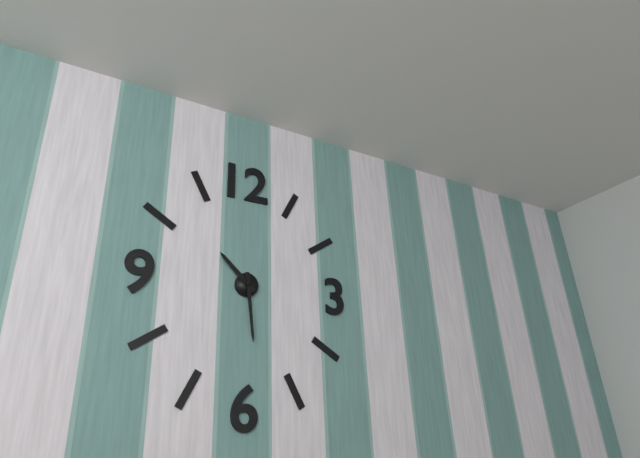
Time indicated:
10h29
